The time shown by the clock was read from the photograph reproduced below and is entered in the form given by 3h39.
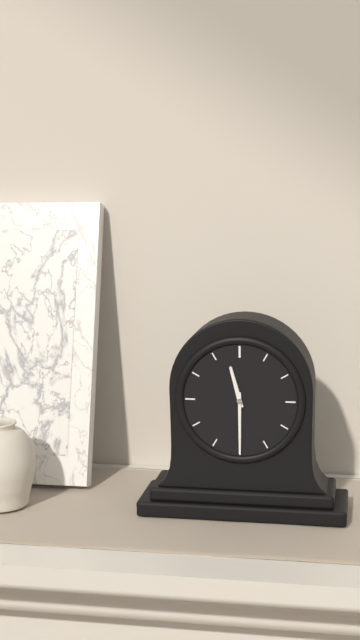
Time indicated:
11h30
